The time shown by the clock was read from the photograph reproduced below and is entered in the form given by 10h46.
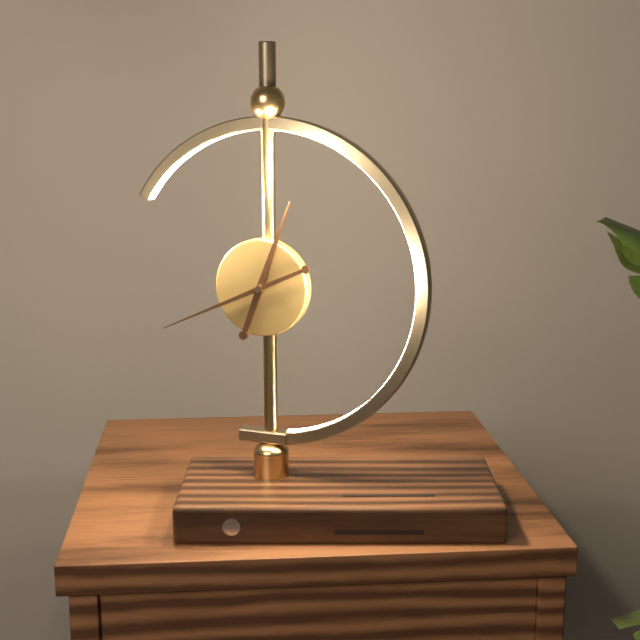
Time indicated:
12h41
